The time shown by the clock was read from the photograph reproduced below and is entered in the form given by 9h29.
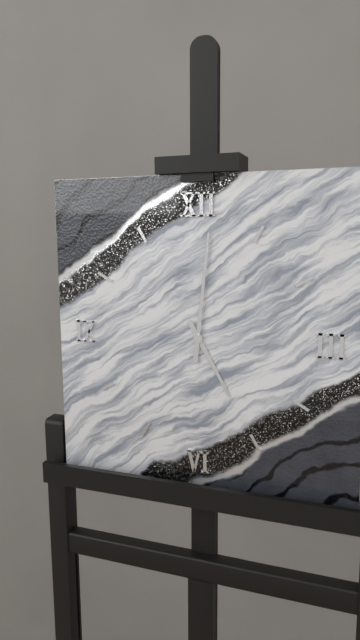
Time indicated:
5h01
